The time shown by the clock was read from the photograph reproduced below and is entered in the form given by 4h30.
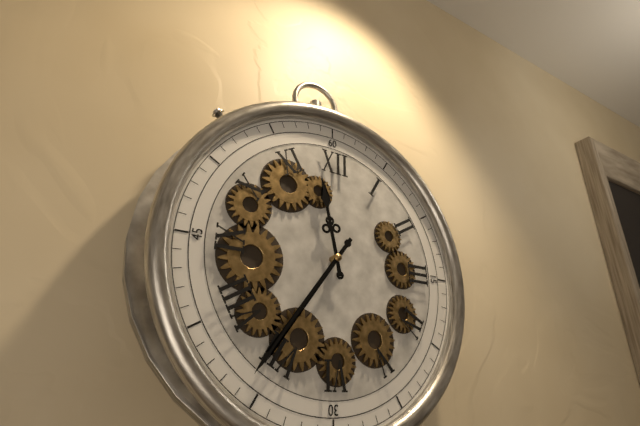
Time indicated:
11h36
